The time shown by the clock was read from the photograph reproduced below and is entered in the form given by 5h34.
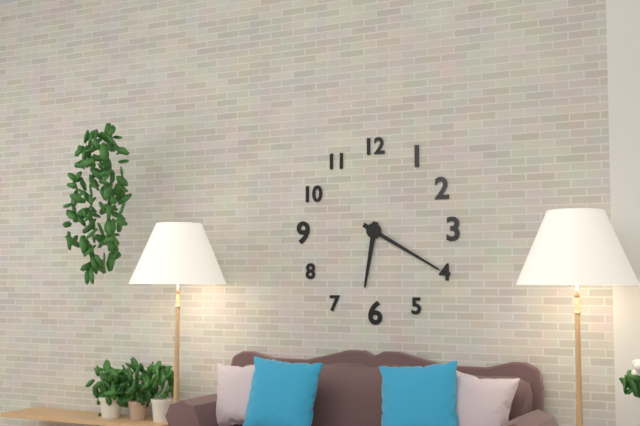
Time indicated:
6h20
